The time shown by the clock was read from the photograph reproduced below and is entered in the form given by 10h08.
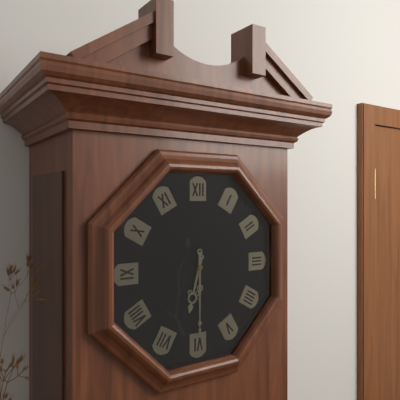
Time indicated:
6h30
